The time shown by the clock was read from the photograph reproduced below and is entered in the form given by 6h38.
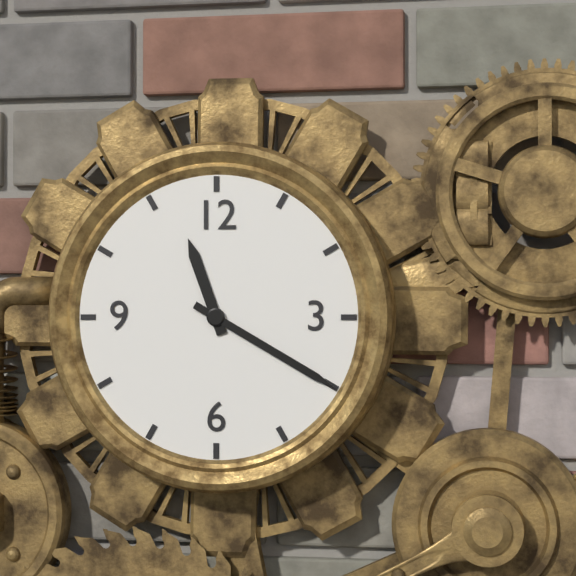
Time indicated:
11h20
